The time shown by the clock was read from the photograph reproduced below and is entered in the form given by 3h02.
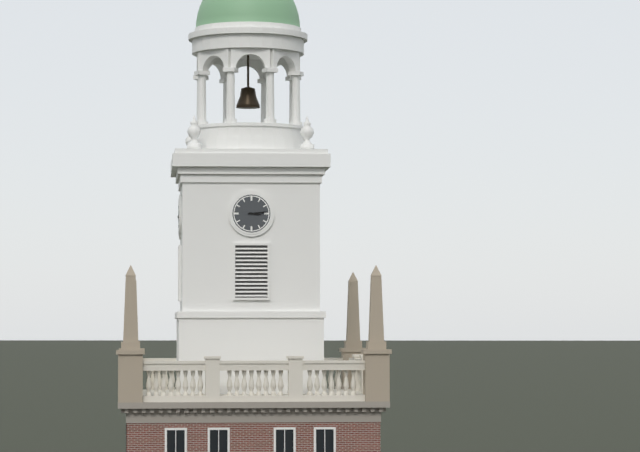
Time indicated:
3h14
